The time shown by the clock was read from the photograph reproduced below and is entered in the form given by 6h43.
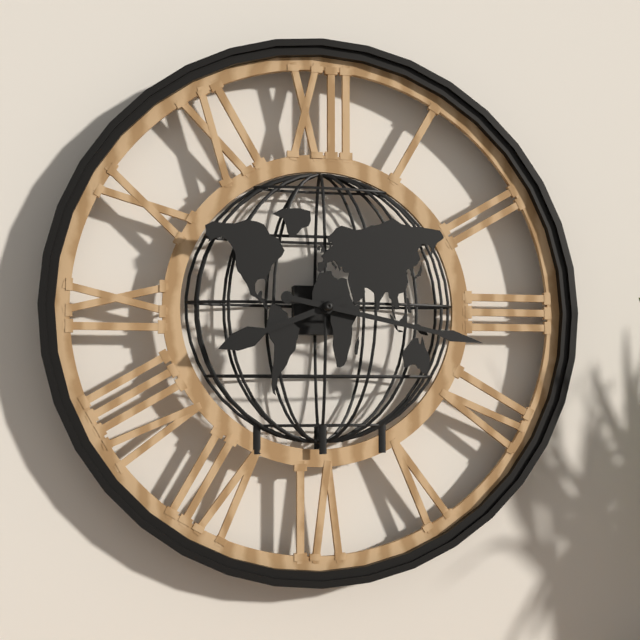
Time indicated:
8h17
